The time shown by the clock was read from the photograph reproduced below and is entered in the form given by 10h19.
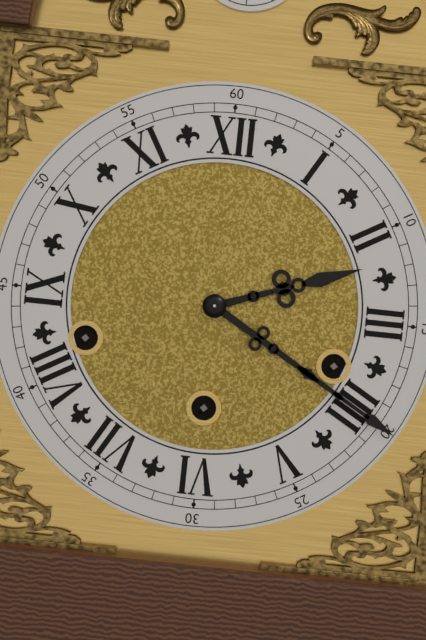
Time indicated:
2h20
